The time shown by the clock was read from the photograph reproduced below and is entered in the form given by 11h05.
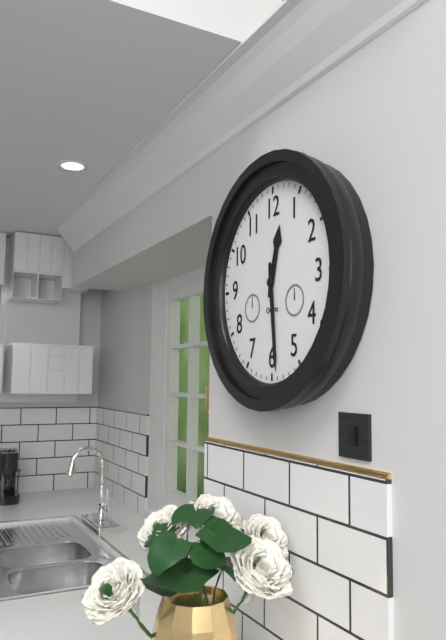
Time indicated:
12h29
